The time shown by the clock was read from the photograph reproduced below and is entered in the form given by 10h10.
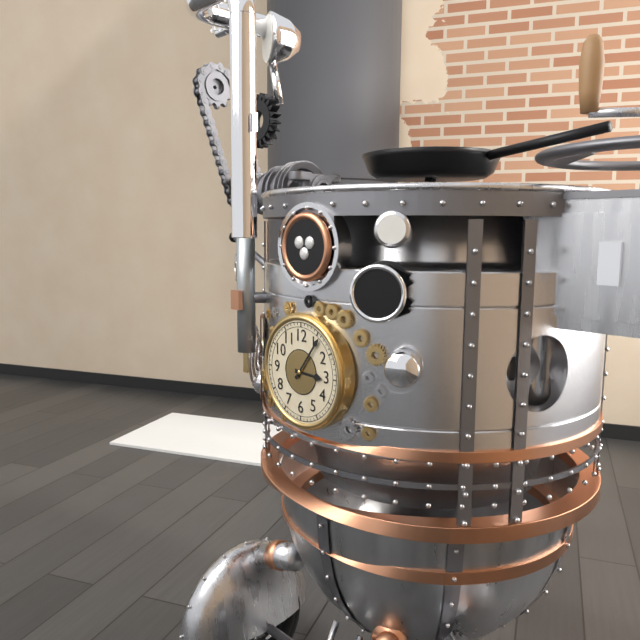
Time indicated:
3h06
